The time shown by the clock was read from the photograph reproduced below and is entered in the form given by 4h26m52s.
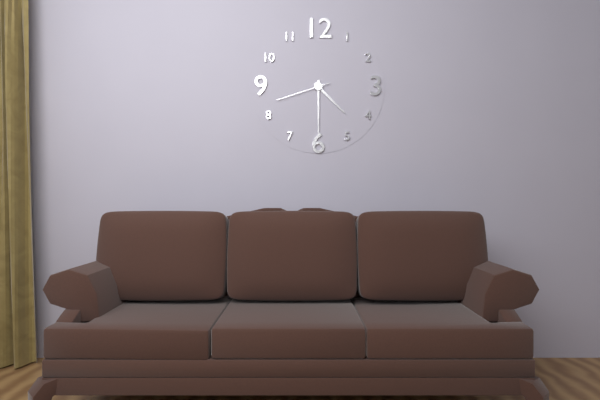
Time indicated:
4h30m42s
